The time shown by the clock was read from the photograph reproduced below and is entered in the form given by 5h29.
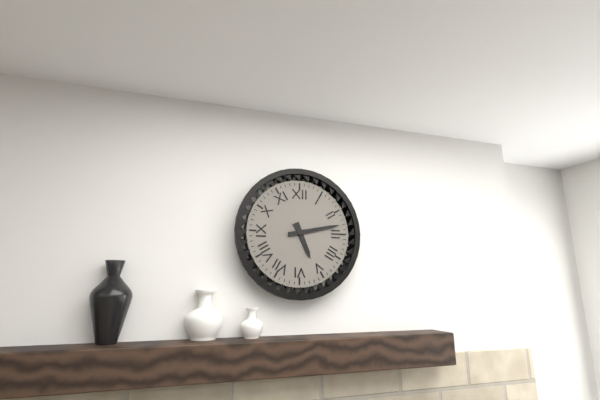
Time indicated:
5h13
